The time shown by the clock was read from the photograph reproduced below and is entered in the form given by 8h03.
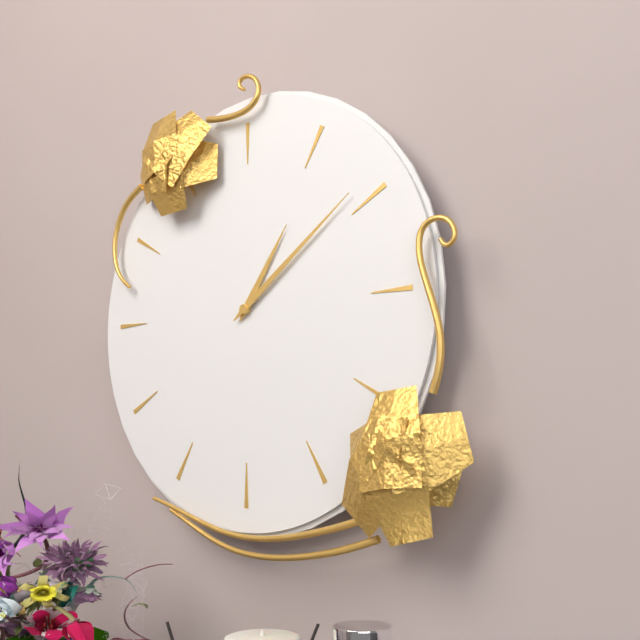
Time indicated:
1h09
